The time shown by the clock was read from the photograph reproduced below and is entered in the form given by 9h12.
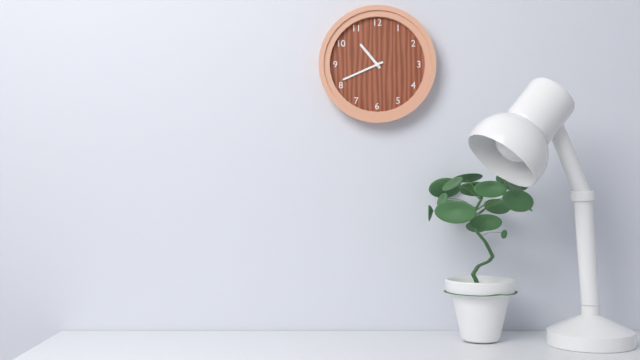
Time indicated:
10h41
